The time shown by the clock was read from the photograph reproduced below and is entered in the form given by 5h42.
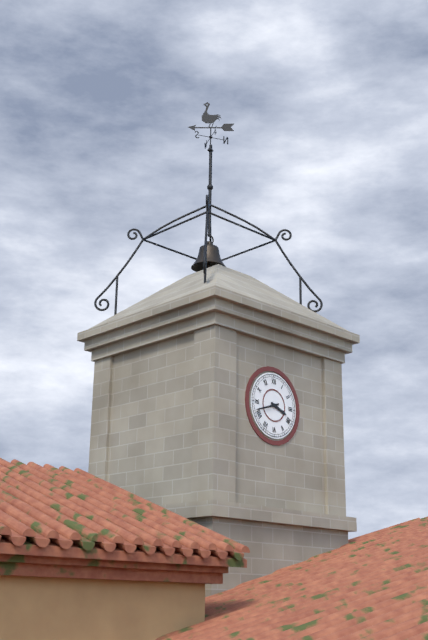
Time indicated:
3h42
